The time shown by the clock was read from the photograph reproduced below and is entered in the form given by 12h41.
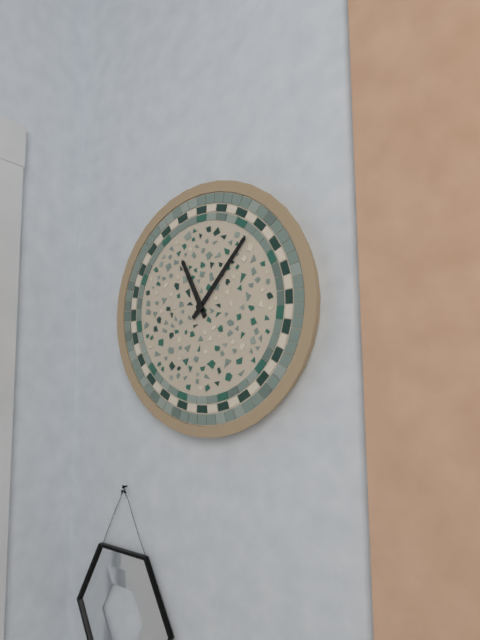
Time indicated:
11h07
